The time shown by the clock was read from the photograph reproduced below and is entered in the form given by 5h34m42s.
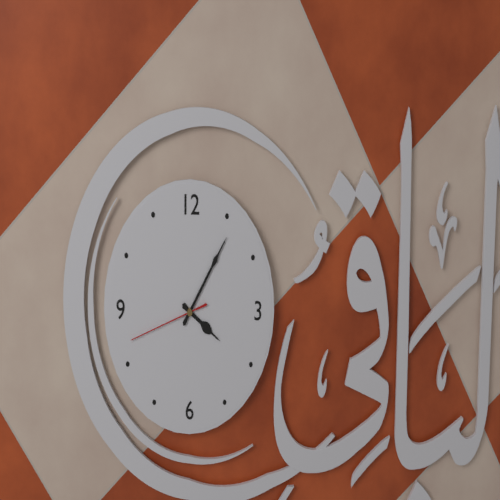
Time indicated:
4h06m42s
